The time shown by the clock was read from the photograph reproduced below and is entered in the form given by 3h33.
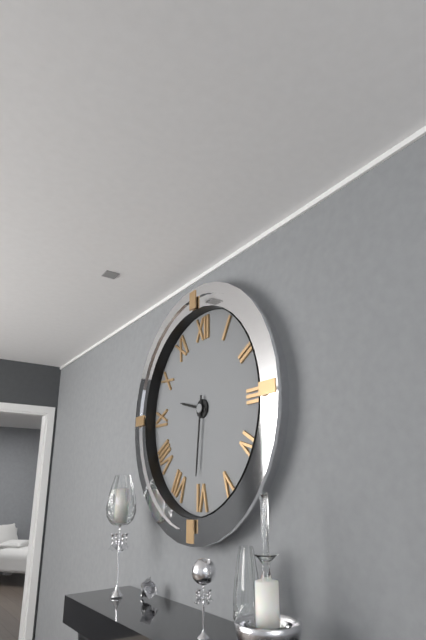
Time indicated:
9h31
